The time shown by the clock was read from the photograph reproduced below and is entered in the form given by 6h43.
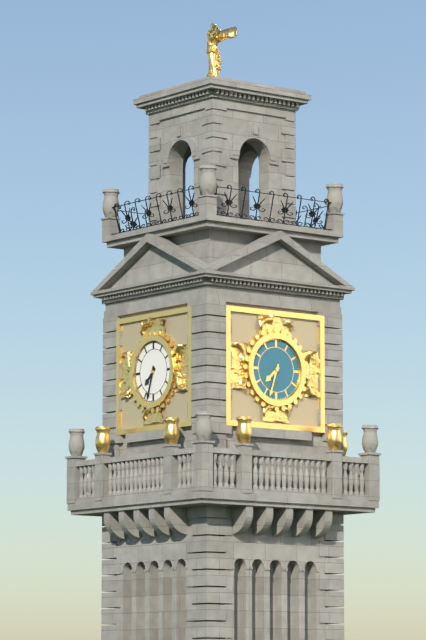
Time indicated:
7h33
